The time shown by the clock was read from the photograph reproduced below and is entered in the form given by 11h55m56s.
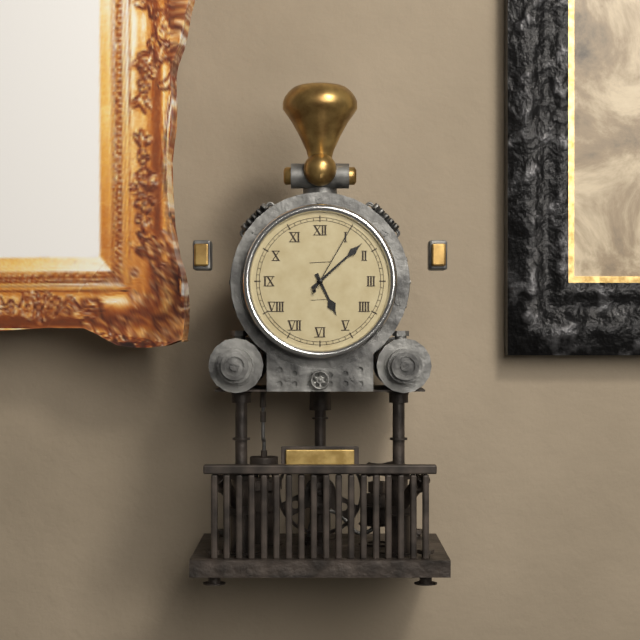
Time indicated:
5h08m05s
